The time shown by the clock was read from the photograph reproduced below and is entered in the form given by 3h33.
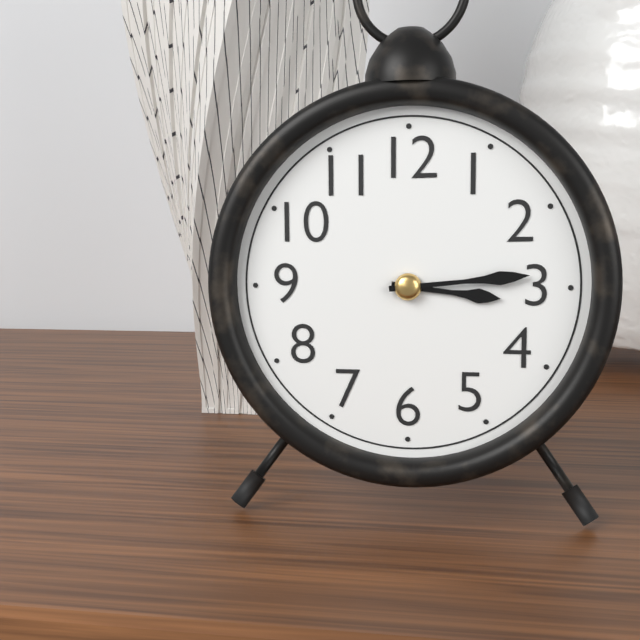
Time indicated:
3h14
